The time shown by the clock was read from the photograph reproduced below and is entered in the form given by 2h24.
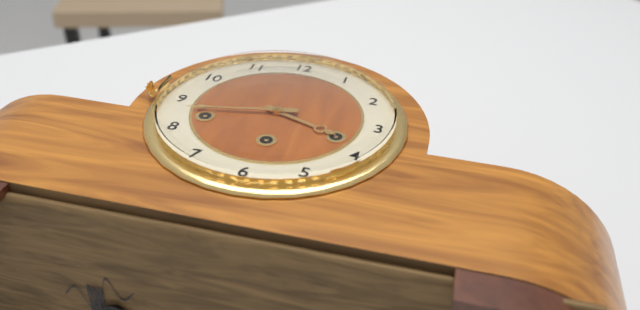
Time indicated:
3h43
